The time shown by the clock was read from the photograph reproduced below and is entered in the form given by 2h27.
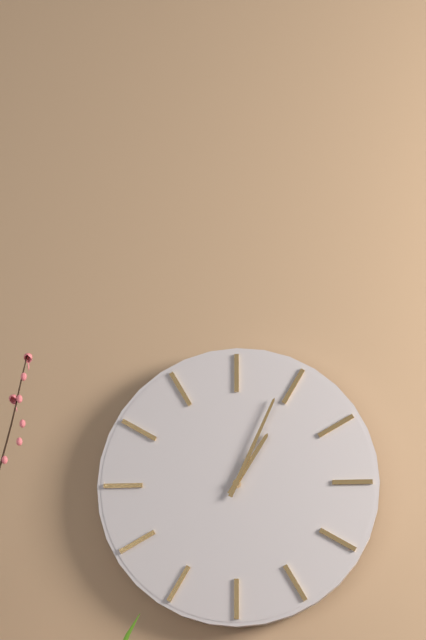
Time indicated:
1h04
